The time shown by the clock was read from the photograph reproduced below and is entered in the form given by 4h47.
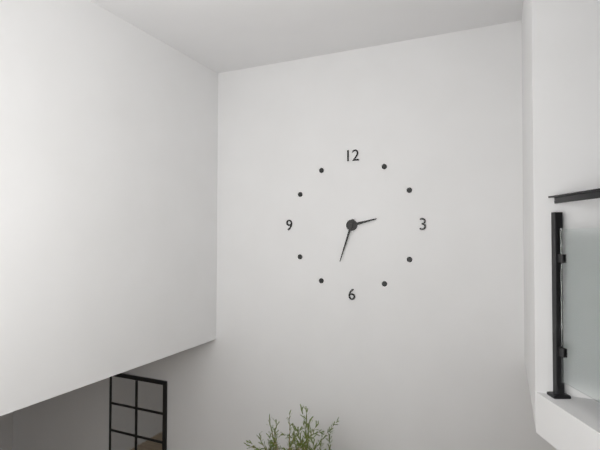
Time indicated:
2h33
